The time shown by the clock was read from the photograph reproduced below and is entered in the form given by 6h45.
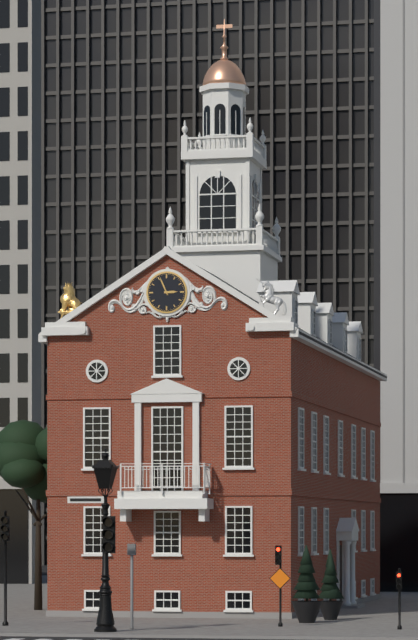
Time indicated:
2h56
